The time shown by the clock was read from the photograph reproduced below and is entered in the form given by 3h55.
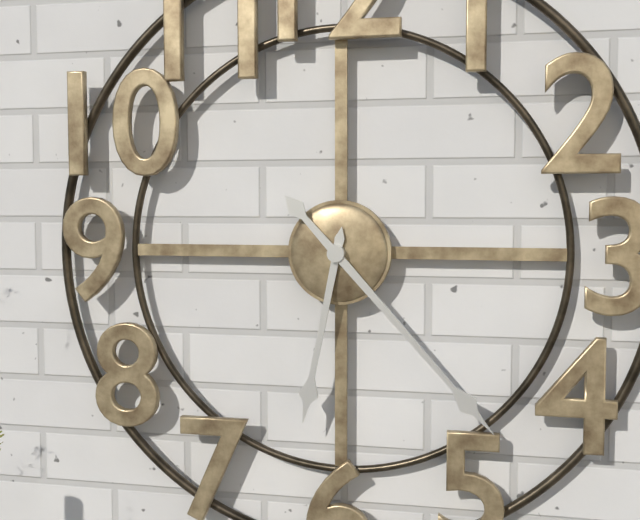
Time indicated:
6h23
